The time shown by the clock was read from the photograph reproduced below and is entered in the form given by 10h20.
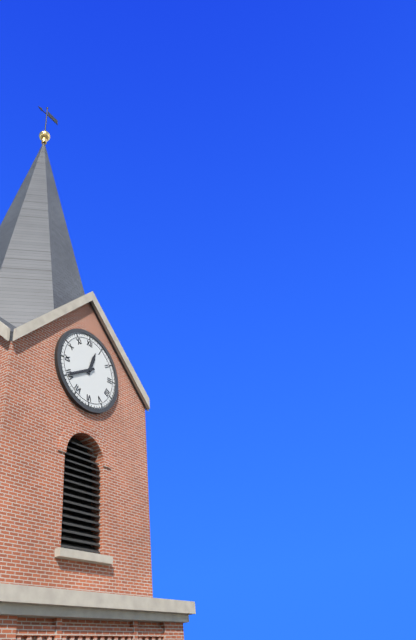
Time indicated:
12h40
